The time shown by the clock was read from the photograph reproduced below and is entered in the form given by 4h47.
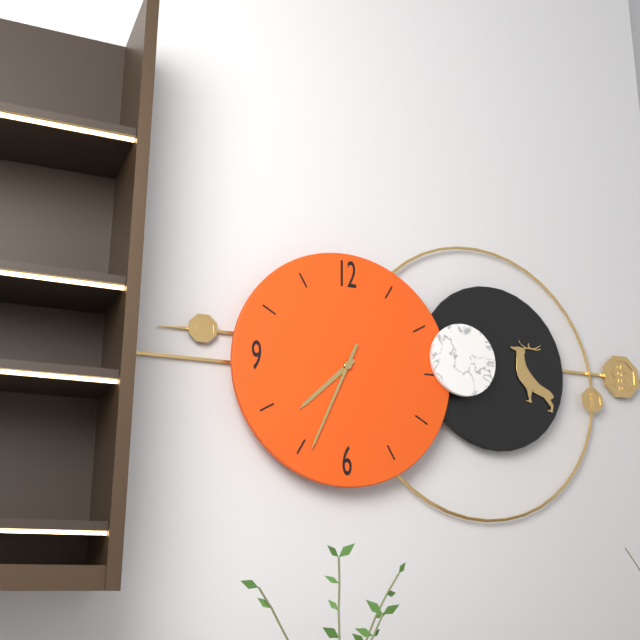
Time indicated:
7h34
